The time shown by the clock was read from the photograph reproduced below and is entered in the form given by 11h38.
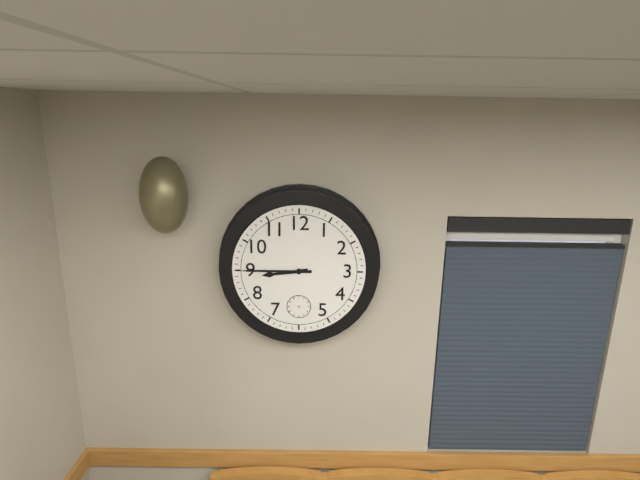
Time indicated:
8h45
